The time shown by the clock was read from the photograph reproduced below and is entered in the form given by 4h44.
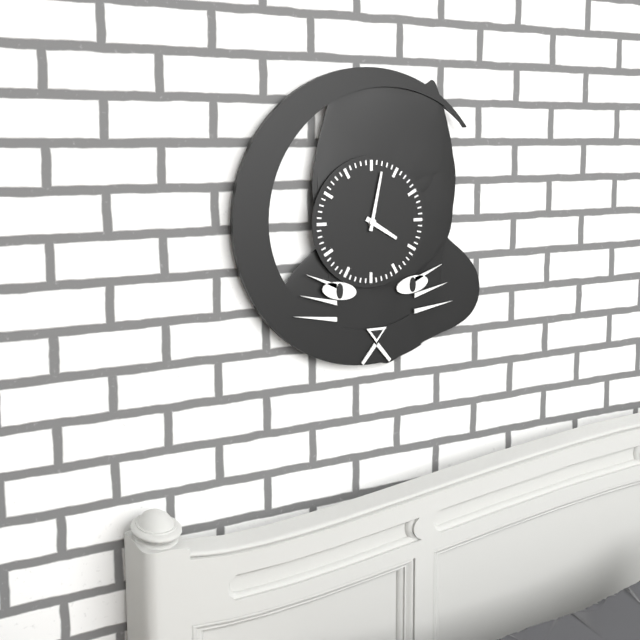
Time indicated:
4h02
